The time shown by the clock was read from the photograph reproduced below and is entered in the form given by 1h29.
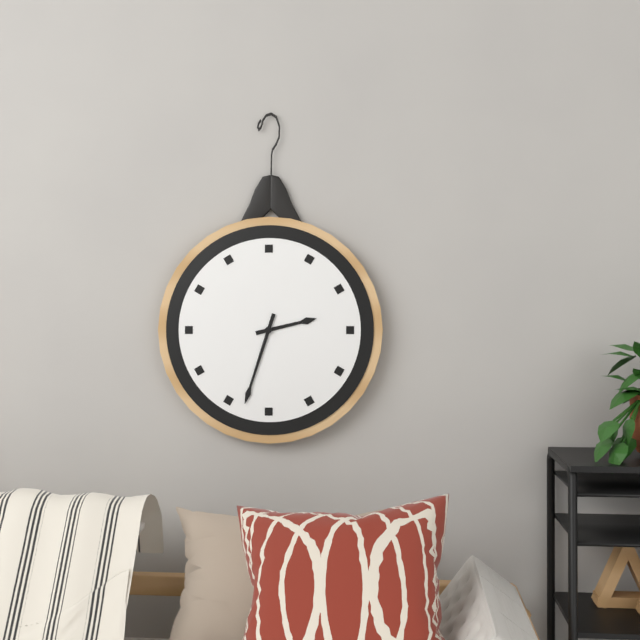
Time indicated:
2h33
